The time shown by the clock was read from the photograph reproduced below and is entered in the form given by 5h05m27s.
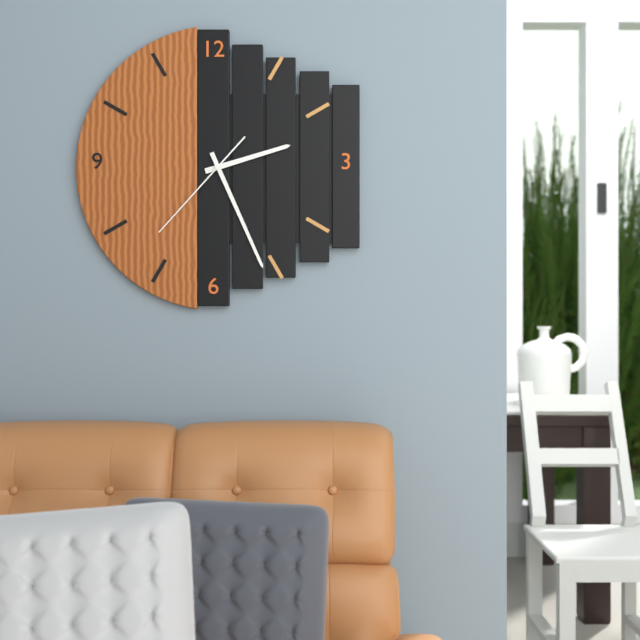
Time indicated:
2h26m37s
